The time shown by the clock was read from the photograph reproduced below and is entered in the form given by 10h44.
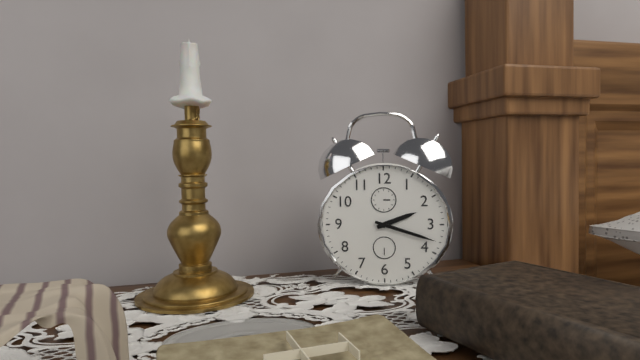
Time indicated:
2h18
